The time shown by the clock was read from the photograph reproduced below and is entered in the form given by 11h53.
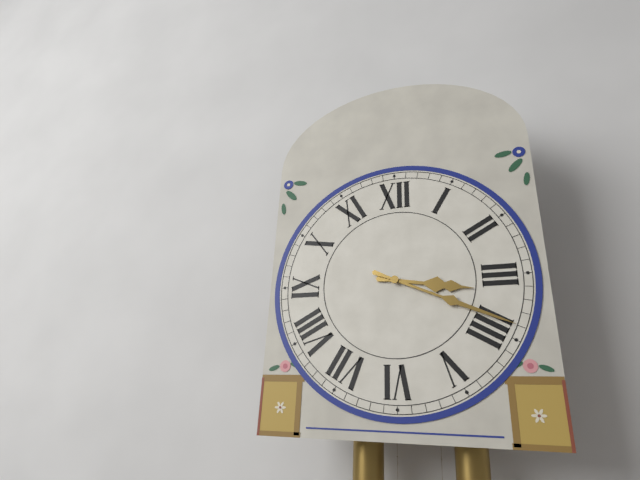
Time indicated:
3h19
